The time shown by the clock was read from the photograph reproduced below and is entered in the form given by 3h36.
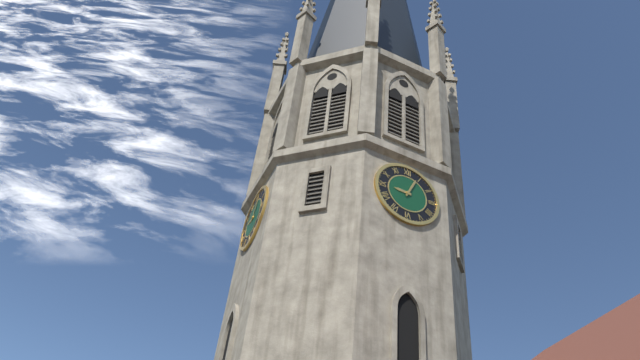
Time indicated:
9h04
